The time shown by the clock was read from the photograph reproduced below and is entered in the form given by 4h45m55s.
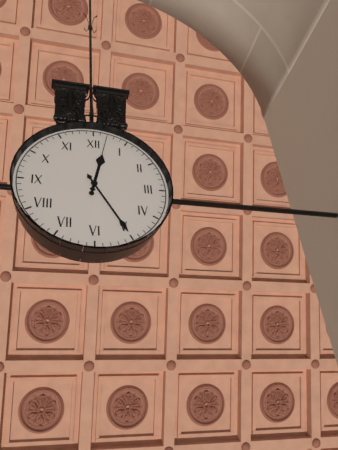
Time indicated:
12h25m02s
